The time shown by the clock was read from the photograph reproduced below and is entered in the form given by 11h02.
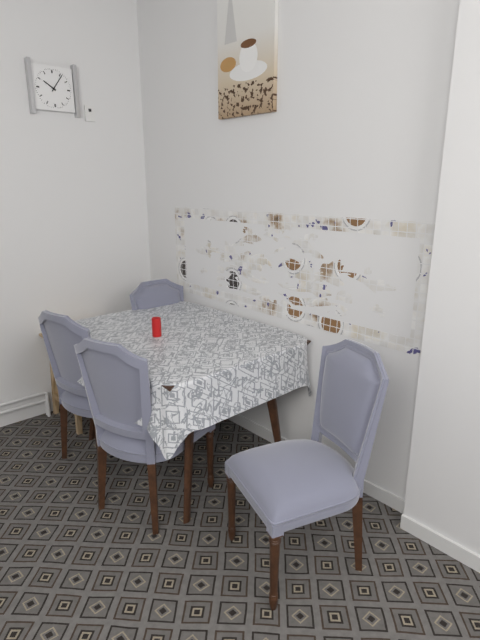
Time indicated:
10h06
